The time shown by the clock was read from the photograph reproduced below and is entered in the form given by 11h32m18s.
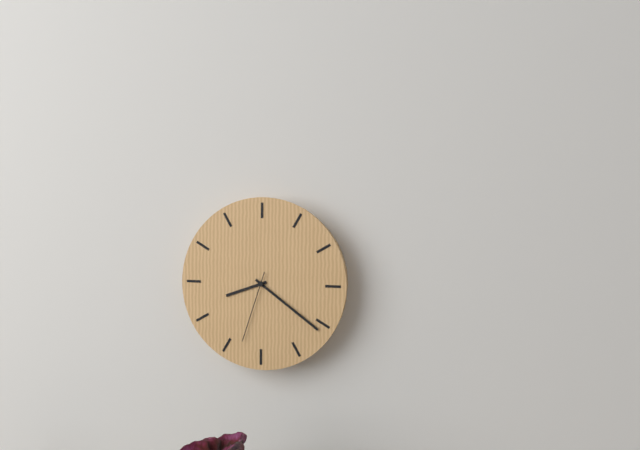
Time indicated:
8h21m33s
